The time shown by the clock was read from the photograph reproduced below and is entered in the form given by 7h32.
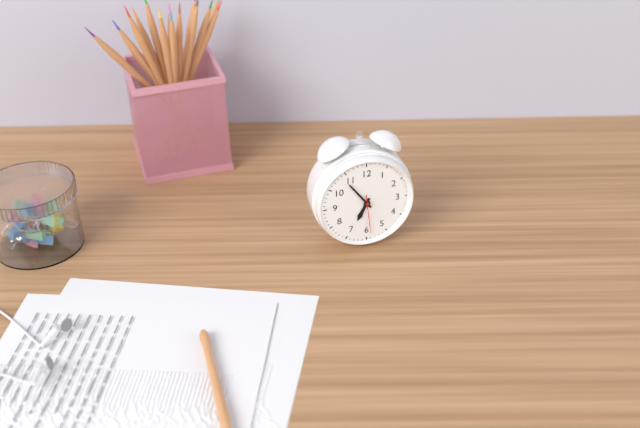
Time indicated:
6h54
